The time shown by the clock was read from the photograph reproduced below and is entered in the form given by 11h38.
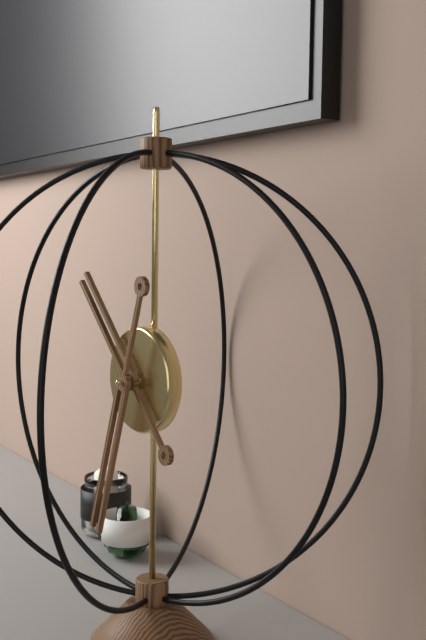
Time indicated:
10h33
